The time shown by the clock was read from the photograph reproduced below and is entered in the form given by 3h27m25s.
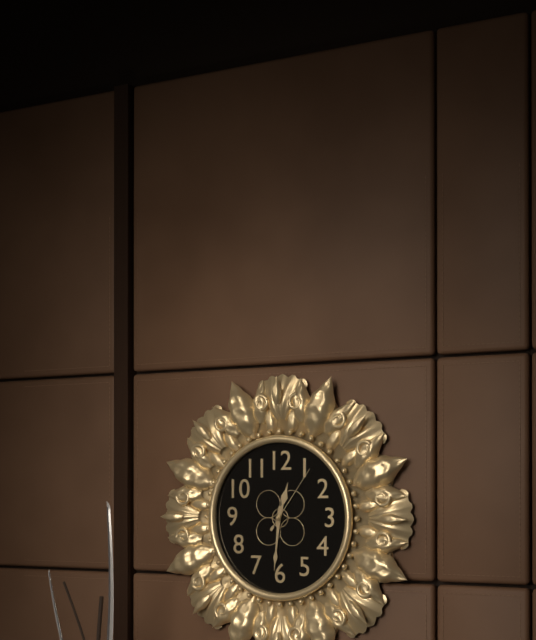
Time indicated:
12h31m06s
